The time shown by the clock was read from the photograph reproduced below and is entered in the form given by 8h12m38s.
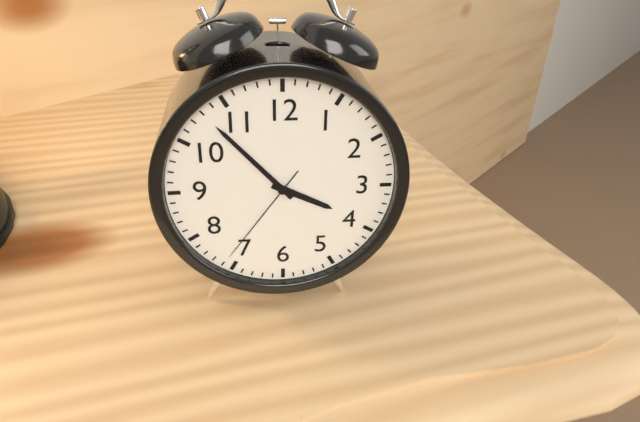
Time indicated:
3h53m36s
